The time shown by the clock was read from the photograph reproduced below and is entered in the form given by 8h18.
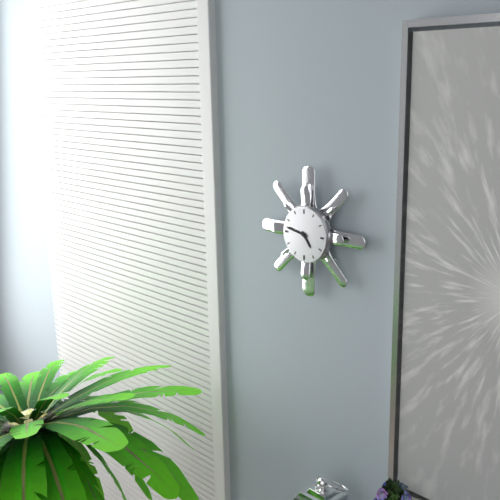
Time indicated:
4h47
